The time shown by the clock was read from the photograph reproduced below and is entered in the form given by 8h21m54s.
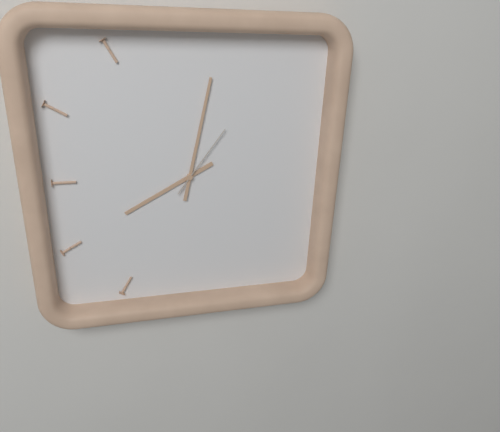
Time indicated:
8h02m06s
